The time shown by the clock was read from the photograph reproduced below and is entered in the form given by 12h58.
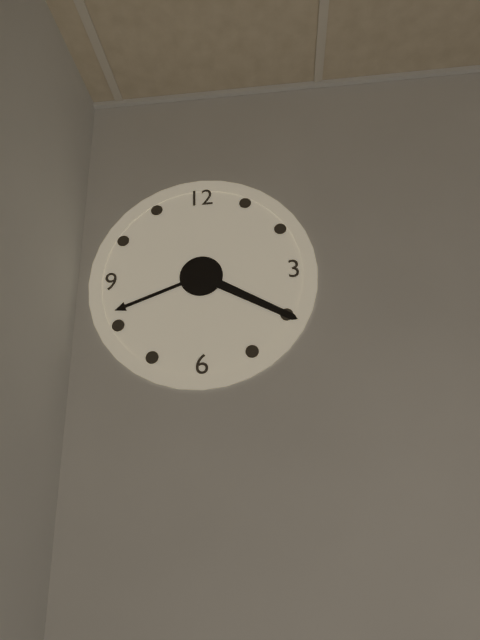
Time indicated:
8h20
